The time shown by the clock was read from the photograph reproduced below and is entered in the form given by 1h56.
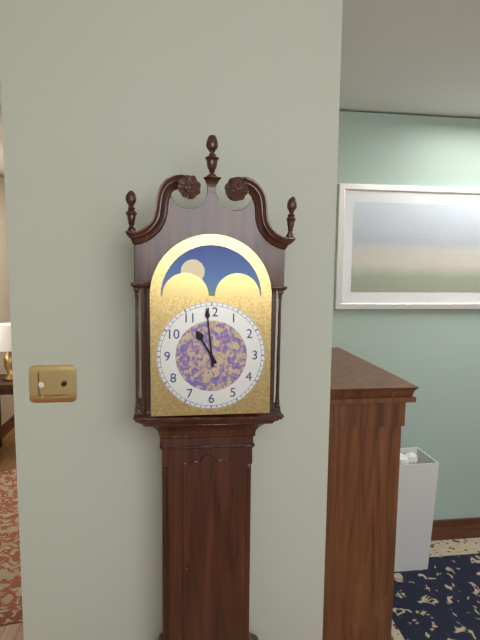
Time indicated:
10h59
